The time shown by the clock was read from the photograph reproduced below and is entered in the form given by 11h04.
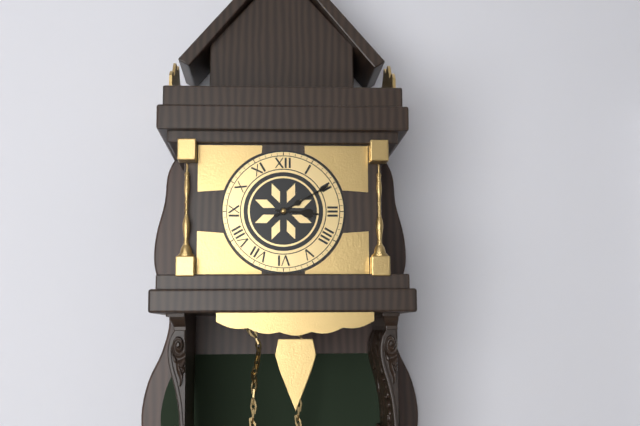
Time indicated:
3h10
